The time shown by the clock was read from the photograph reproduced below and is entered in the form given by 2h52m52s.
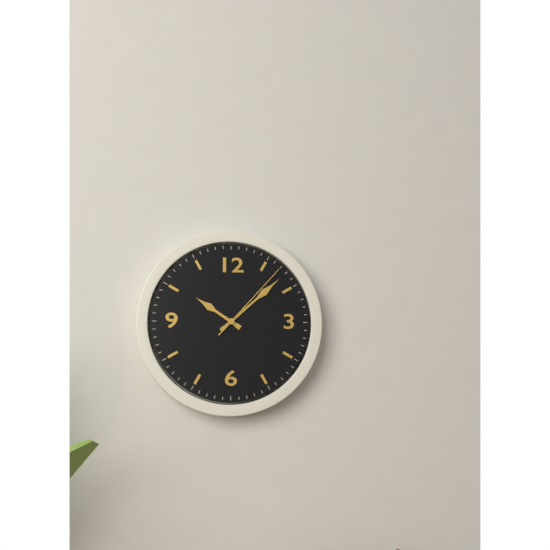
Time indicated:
10h08m07s
